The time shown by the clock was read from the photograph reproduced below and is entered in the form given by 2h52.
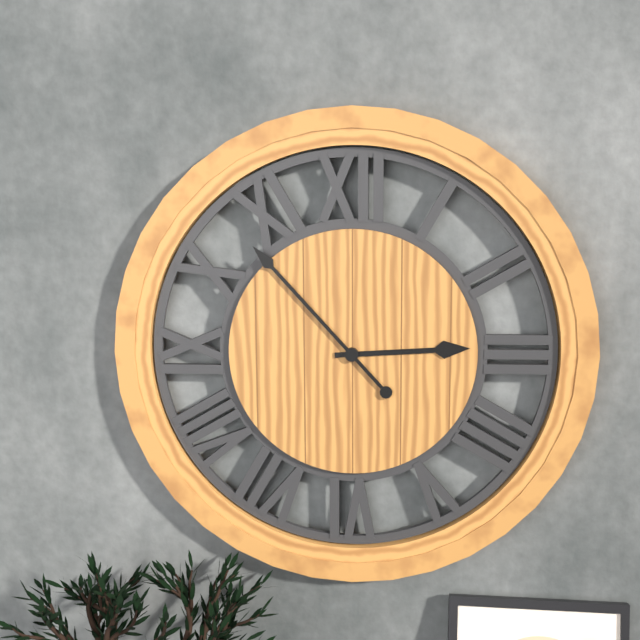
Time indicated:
2h53
